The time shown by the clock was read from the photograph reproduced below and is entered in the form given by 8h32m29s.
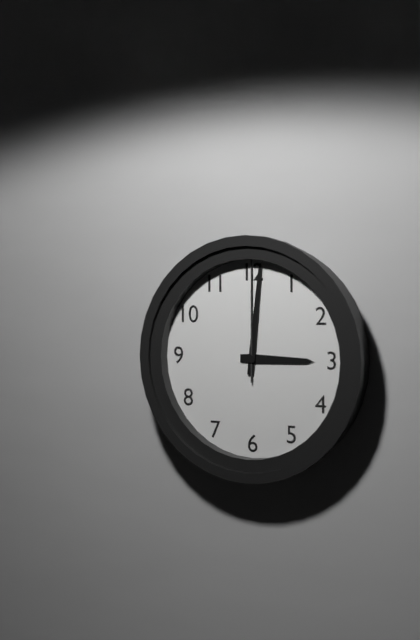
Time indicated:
3h01m00s
